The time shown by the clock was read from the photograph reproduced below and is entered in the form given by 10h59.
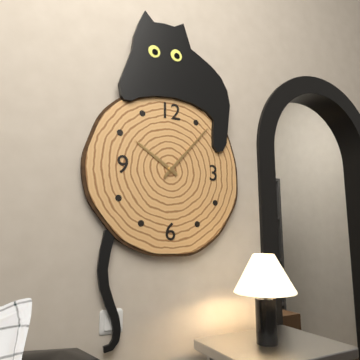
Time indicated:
10h07
